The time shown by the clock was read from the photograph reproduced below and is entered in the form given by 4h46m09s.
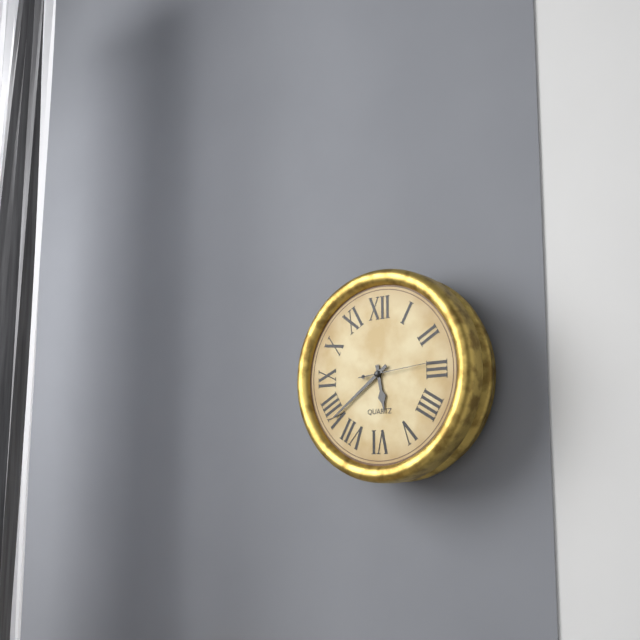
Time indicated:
5h39m14s
